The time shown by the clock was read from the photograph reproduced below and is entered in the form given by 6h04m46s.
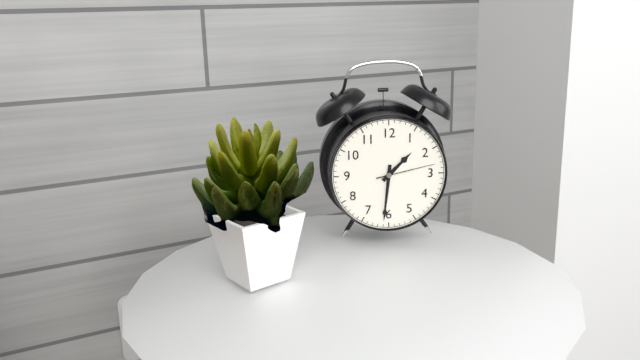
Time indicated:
1h31m13s
